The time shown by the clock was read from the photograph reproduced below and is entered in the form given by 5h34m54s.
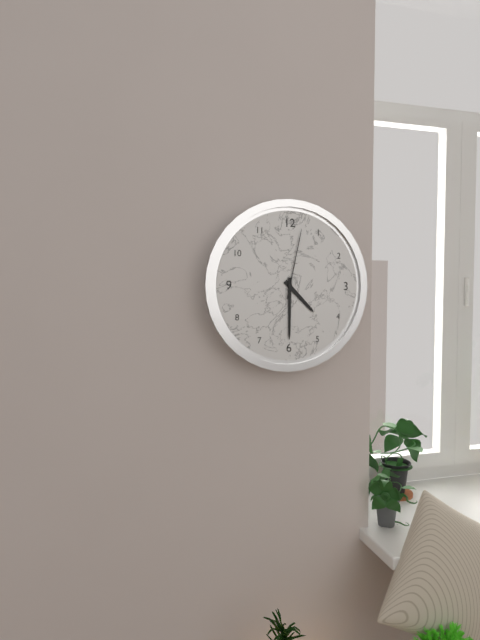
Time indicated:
4h30m02s
